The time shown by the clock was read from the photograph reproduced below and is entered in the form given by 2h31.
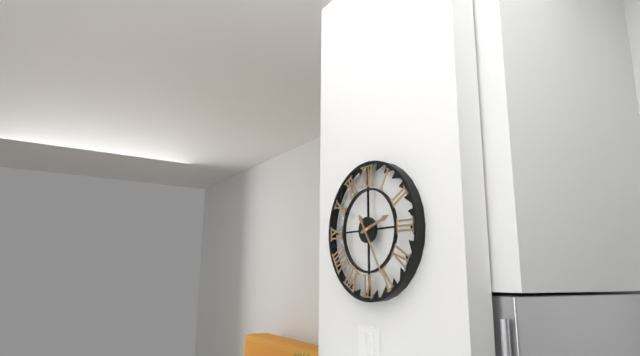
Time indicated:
2h25
